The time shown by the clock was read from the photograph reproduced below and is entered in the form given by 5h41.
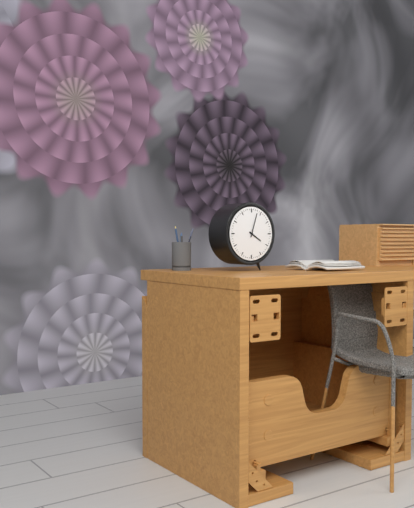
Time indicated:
4h03
